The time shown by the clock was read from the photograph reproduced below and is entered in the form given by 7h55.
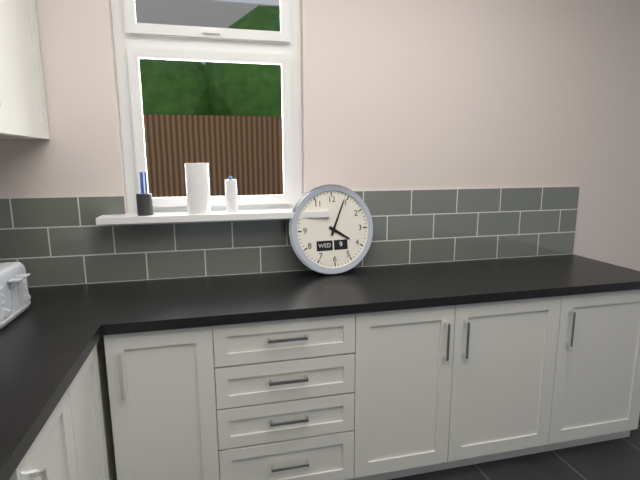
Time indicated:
4h04
